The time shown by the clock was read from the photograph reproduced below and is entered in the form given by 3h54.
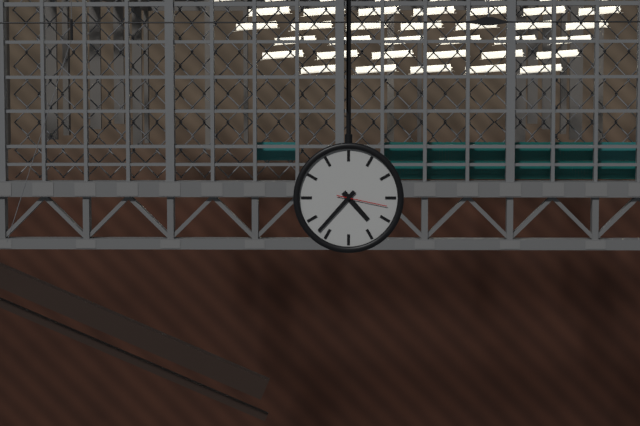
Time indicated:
4h37
